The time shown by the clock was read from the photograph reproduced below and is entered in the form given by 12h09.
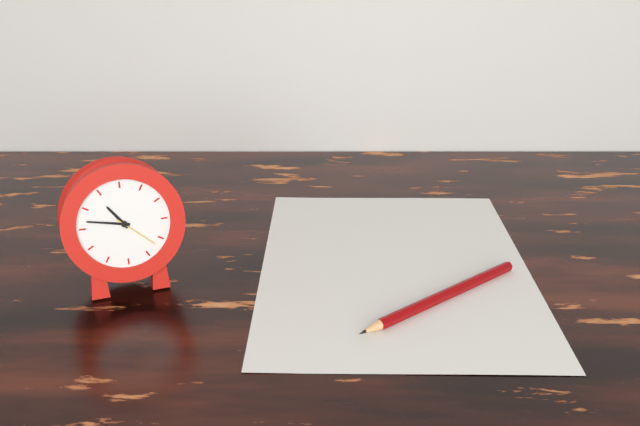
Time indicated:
10h47
